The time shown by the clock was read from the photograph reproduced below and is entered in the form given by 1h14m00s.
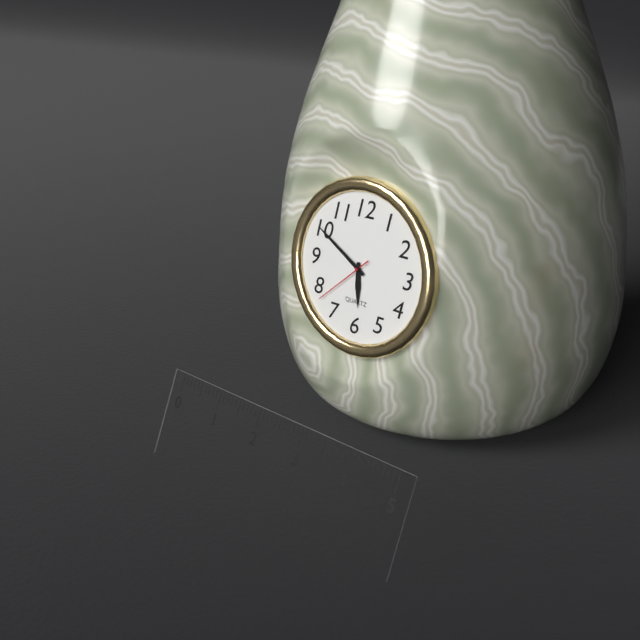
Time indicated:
5h50m38s
